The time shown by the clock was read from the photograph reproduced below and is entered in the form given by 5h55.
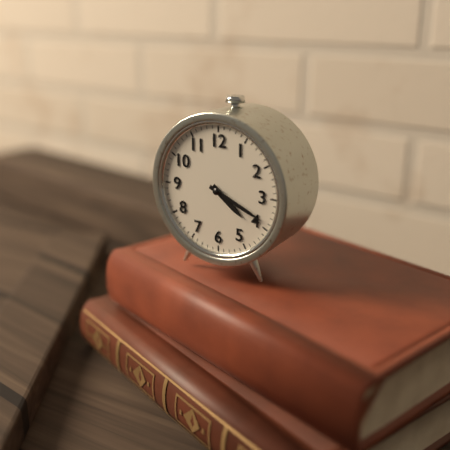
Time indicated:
4h19
